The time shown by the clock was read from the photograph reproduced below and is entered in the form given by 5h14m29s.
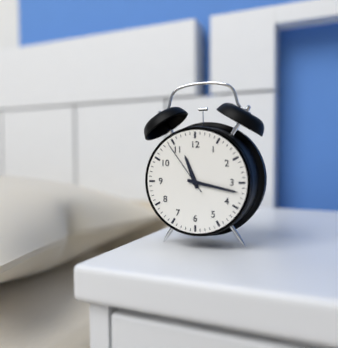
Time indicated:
11h17m54s
